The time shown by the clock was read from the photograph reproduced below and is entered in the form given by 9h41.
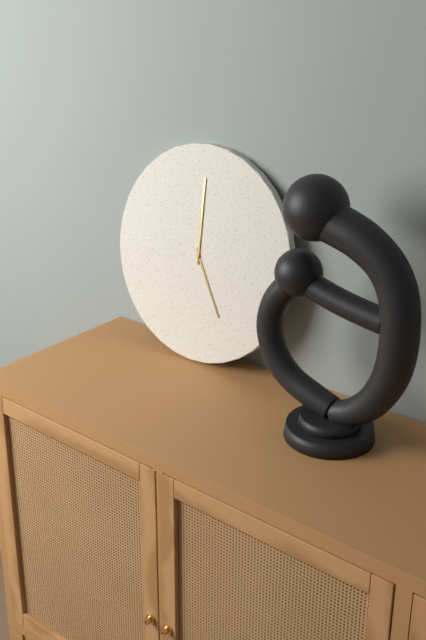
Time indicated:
5h00
